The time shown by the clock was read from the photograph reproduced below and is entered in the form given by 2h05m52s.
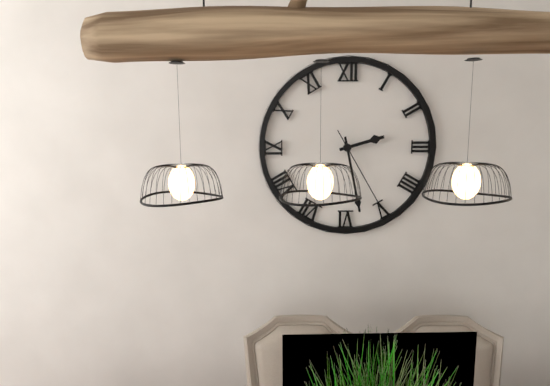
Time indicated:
2h28m25s
